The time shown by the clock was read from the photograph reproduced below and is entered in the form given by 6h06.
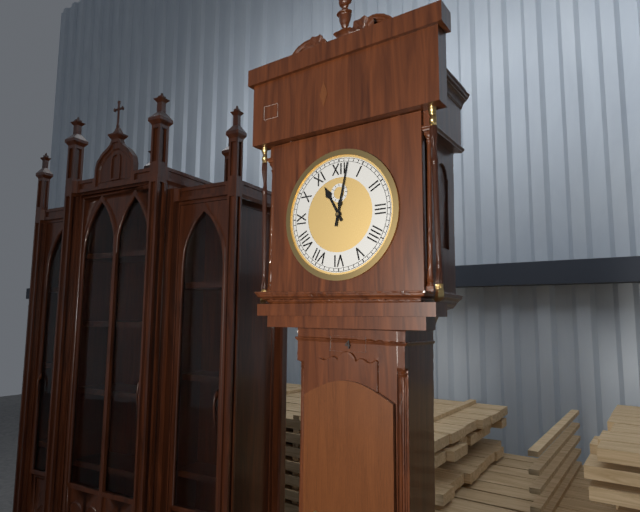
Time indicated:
11h02
